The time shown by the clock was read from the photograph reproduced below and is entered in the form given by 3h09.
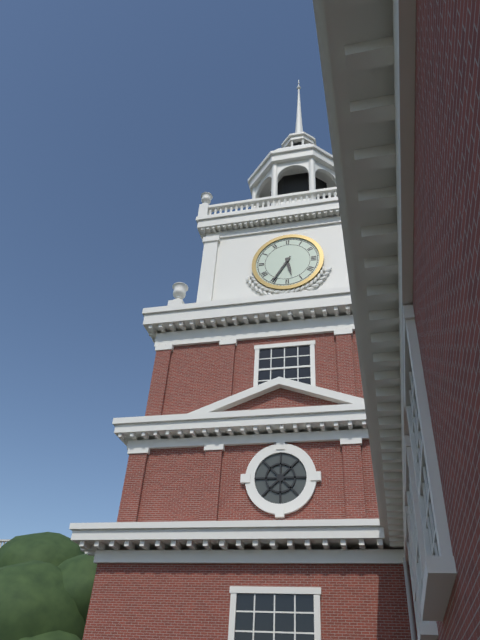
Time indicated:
5h35
